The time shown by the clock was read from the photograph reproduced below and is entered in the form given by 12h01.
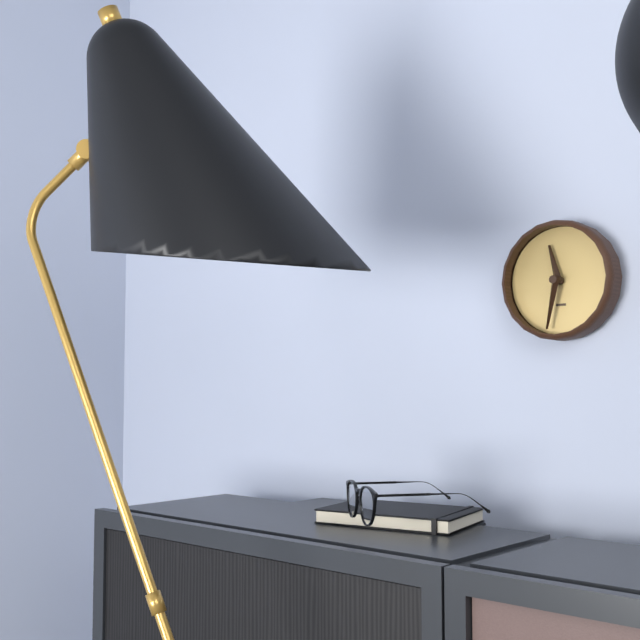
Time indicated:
11h32
